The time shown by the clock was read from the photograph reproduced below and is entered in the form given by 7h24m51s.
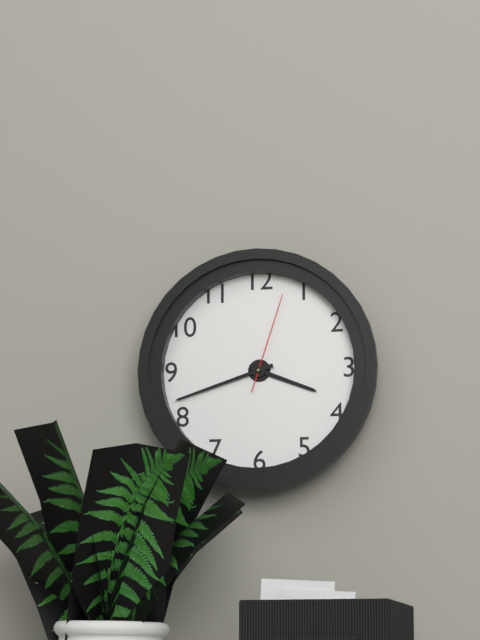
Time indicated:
3h42m03s
